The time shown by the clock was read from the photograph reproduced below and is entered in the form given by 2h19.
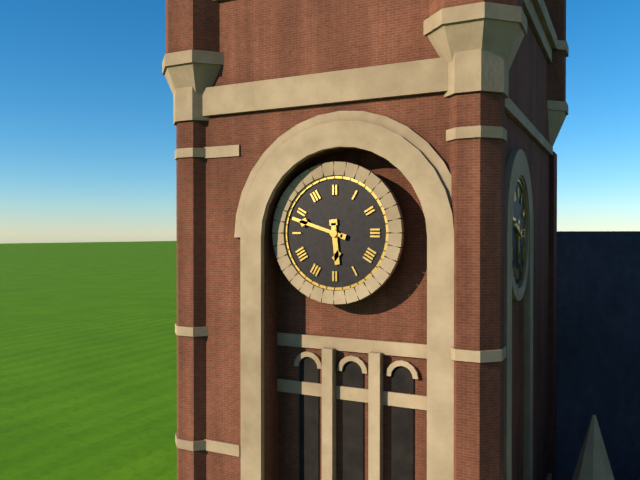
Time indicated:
5h48
